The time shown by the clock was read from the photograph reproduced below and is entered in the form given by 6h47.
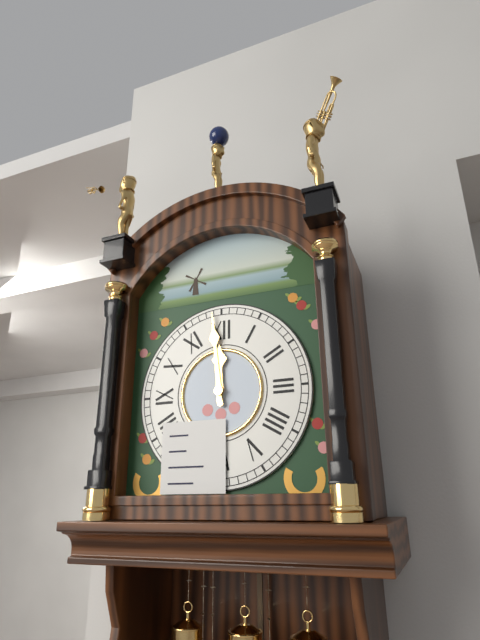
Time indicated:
11h59
